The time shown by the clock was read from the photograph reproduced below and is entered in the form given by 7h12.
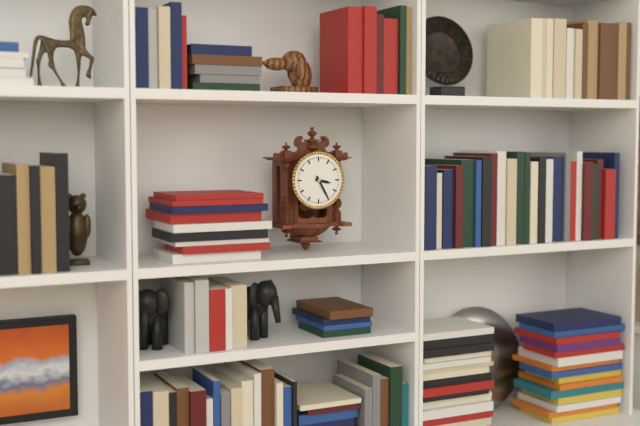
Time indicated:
3h25
